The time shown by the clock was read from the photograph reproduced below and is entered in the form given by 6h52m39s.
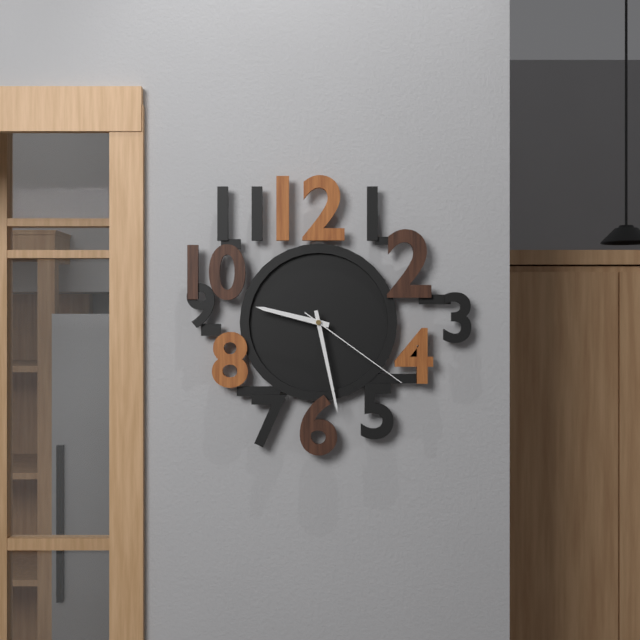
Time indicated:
9h28m21s
